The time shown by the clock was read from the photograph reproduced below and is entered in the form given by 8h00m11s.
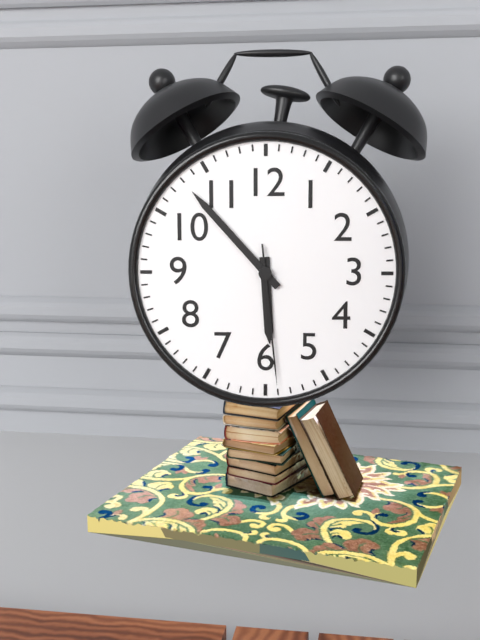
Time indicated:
5h53m29s
